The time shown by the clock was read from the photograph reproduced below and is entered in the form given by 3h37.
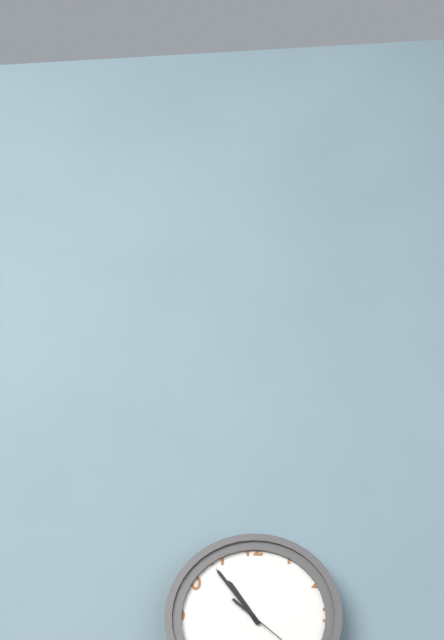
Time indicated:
10h54
